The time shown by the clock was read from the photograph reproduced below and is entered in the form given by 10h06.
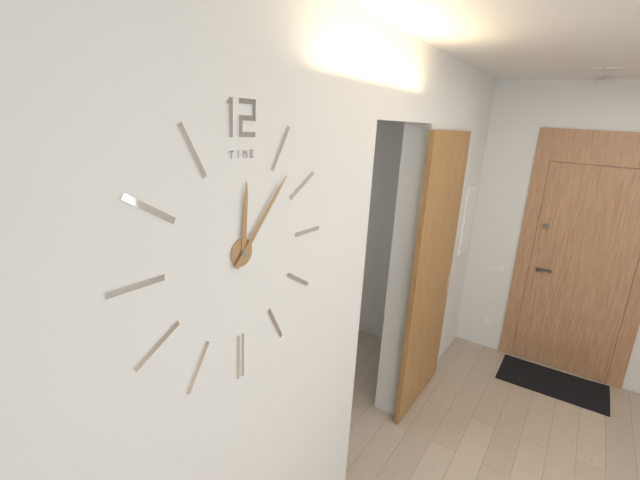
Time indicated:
12h07
